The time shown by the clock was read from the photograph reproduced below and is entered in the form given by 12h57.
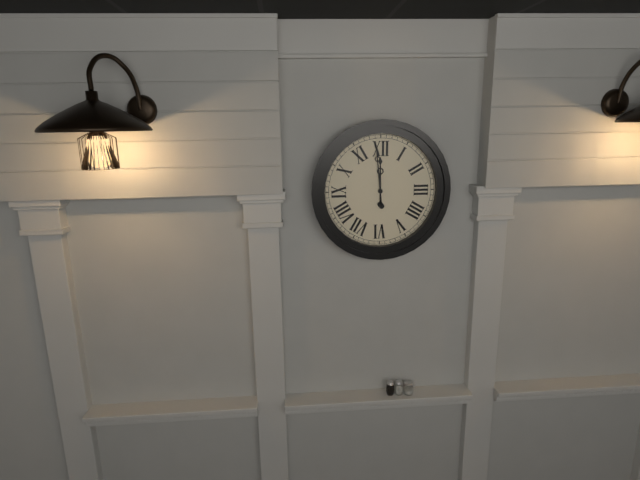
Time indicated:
11h59
